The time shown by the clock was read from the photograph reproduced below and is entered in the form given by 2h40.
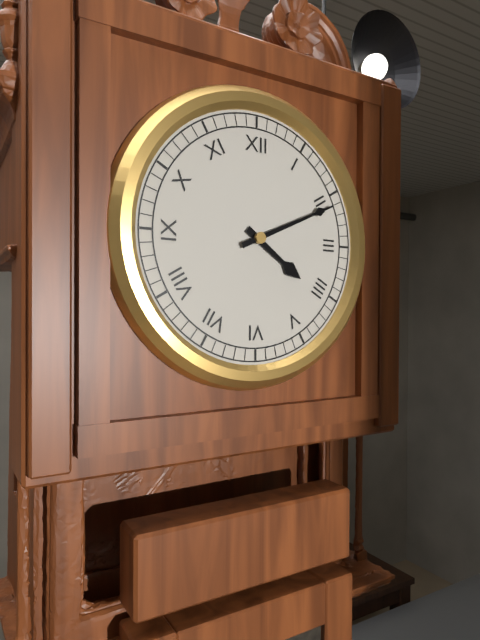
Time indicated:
4h11
